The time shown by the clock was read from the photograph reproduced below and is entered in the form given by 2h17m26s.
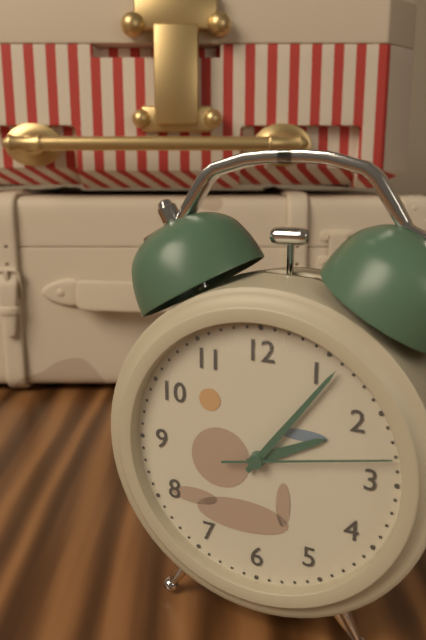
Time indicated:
2h06m13s
